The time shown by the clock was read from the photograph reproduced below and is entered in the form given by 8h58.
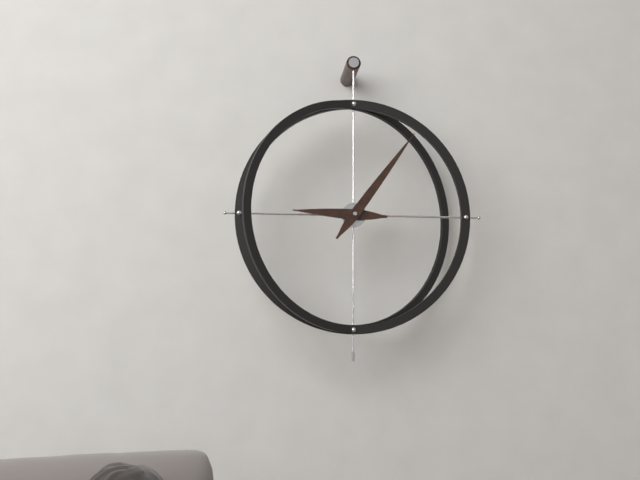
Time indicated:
9h06
